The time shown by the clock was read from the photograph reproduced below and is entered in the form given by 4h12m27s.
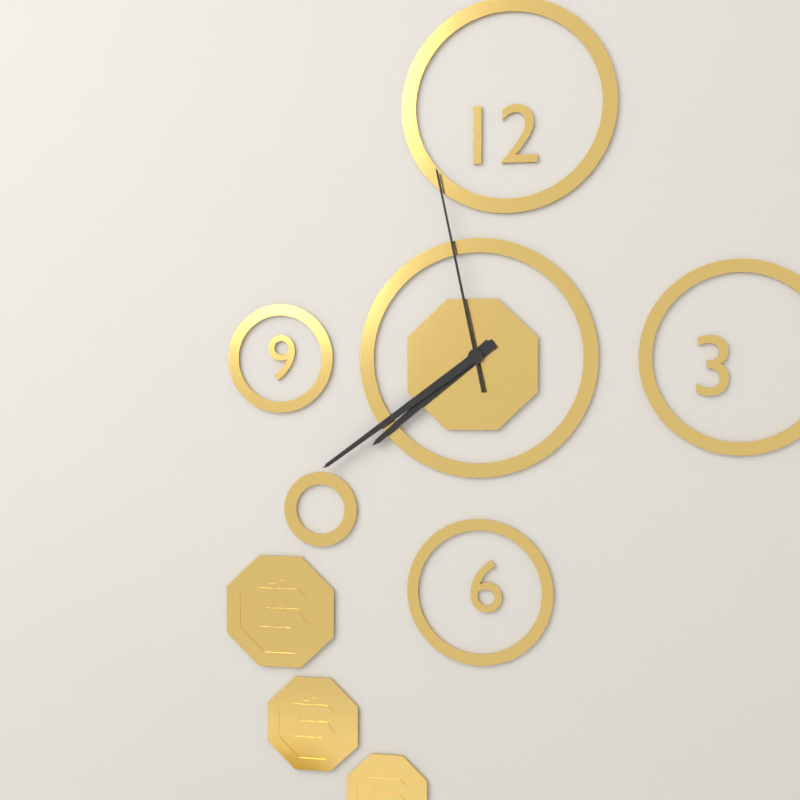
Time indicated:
7h39m58s
